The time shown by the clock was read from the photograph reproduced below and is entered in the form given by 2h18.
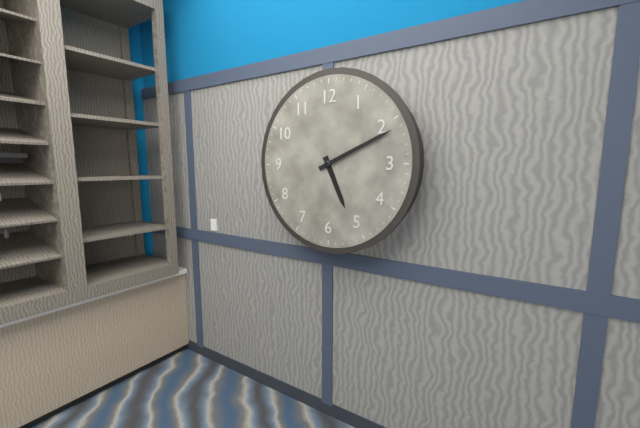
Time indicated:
5h11
